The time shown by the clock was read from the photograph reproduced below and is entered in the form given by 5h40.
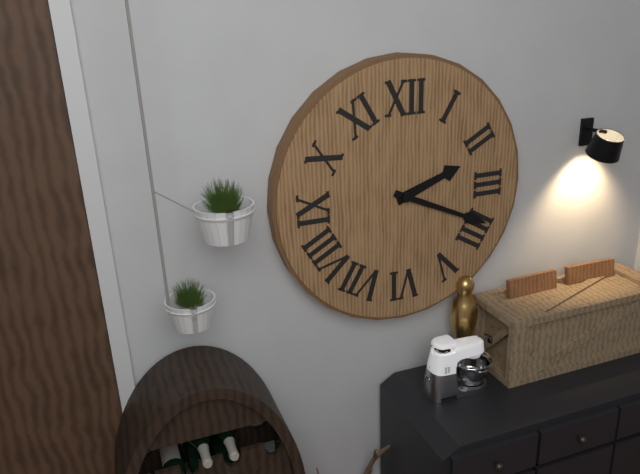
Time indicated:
2h19
